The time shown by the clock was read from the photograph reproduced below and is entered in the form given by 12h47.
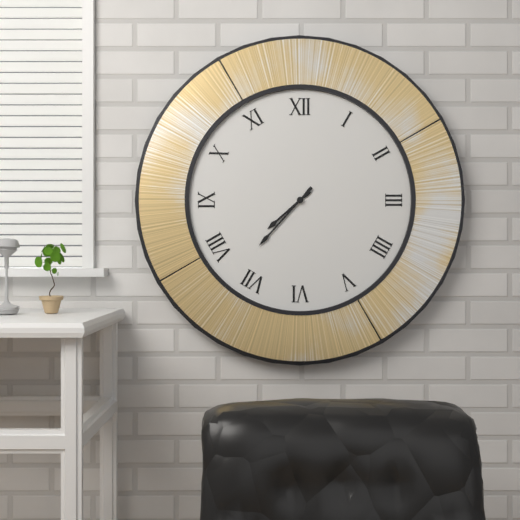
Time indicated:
7h37
